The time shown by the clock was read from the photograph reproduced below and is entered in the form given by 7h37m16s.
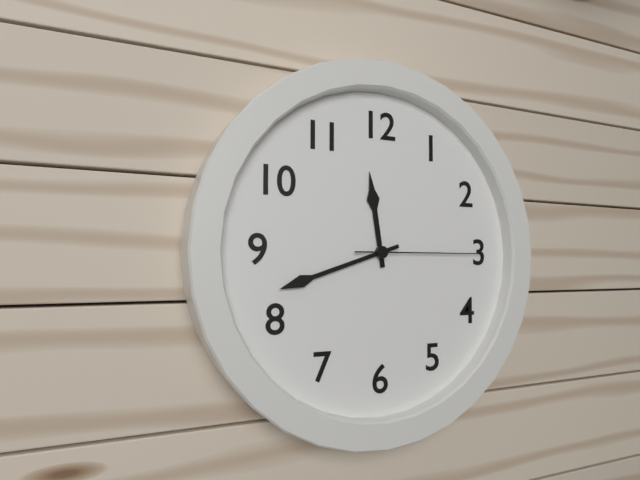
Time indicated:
11h42m15s
